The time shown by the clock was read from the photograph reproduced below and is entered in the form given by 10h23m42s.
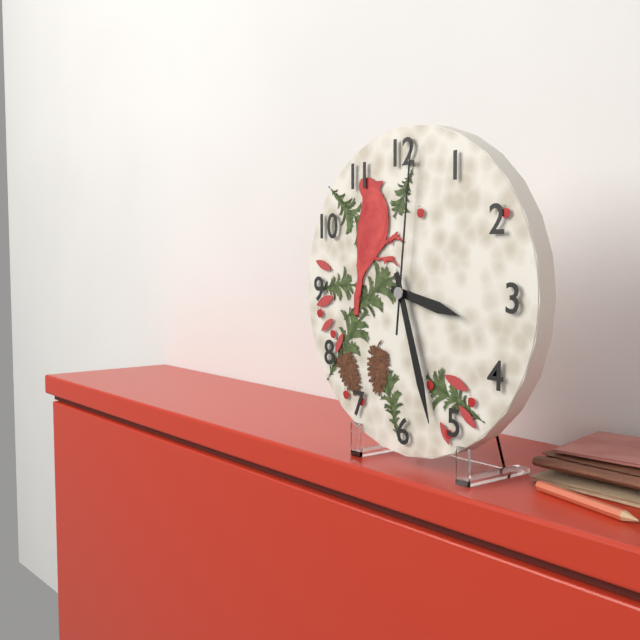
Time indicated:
3h27m01s
